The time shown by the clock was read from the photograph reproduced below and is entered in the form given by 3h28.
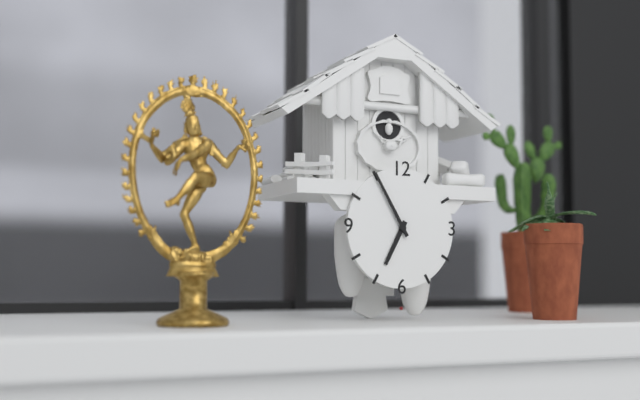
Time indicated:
6h55
